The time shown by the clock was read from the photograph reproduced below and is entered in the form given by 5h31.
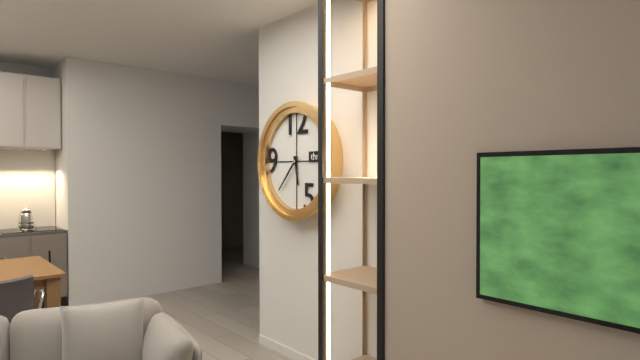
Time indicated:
5h37
